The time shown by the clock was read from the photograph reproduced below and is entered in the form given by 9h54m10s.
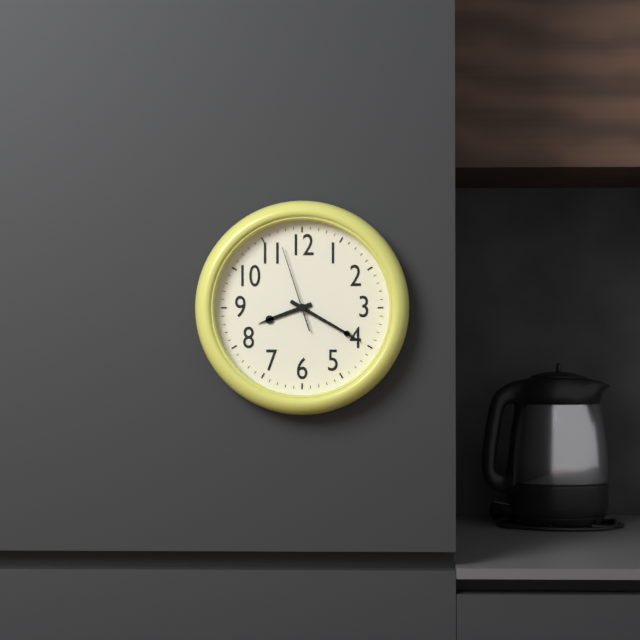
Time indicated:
8h20m57s
